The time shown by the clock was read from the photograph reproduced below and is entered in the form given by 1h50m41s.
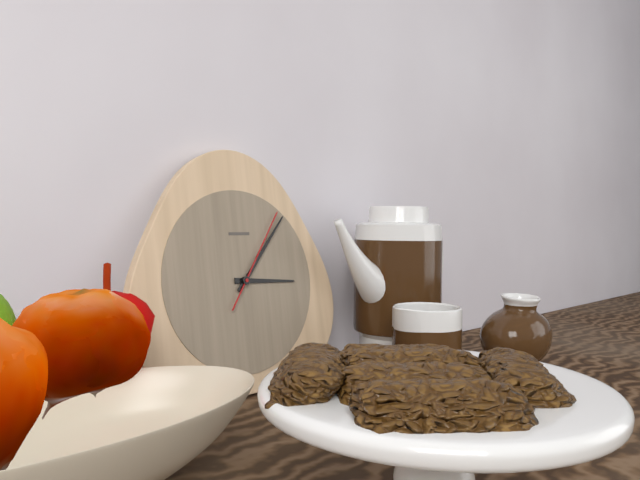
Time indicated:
3h07m06s
